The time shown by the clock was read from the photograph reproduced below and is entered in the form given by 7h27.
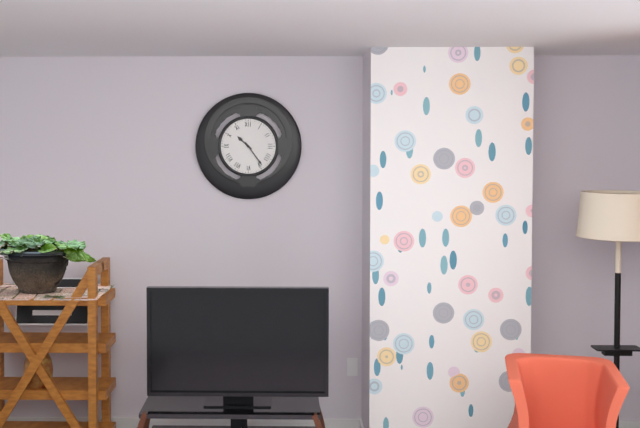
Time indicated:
10h24
